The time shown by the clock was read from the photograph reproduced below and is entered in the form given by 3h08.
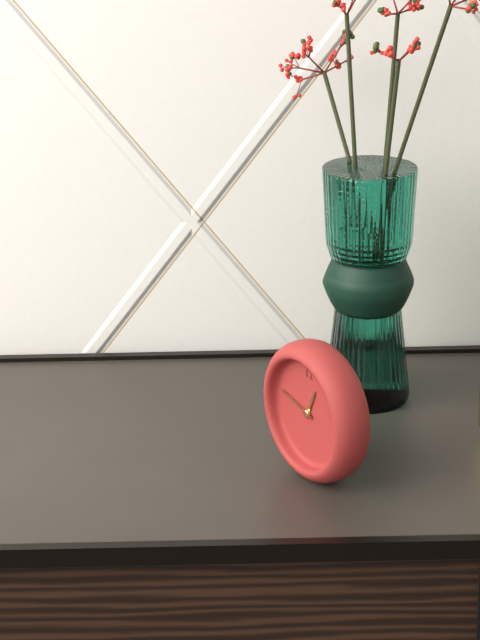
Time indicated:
12h47
